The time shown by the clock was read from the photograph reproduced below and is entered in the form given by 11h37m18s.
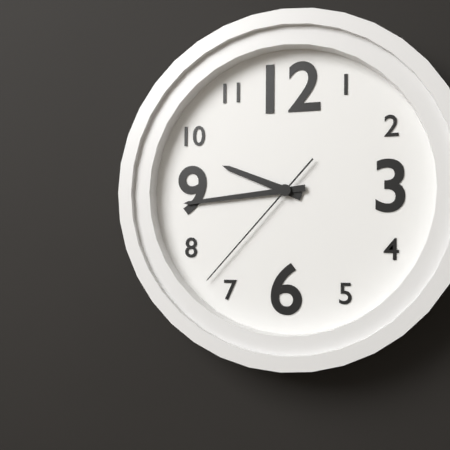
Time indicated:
9h44m37s
